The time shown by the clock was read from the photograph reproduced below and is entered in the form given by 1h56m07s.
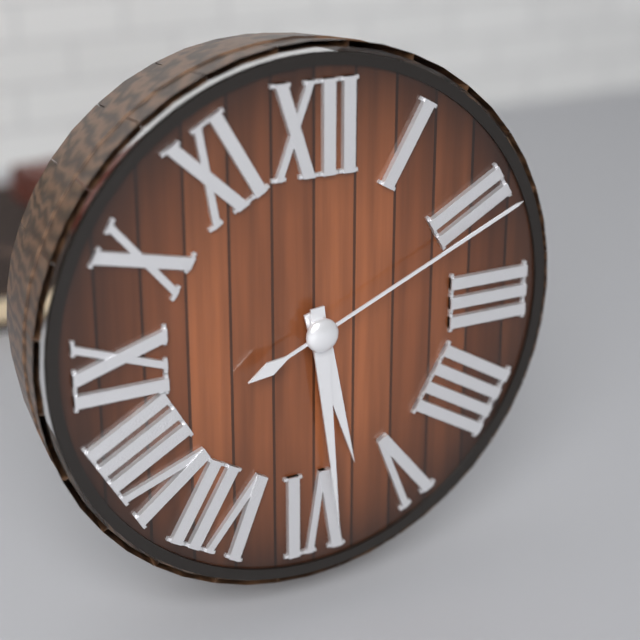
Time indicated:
5h29m11s
